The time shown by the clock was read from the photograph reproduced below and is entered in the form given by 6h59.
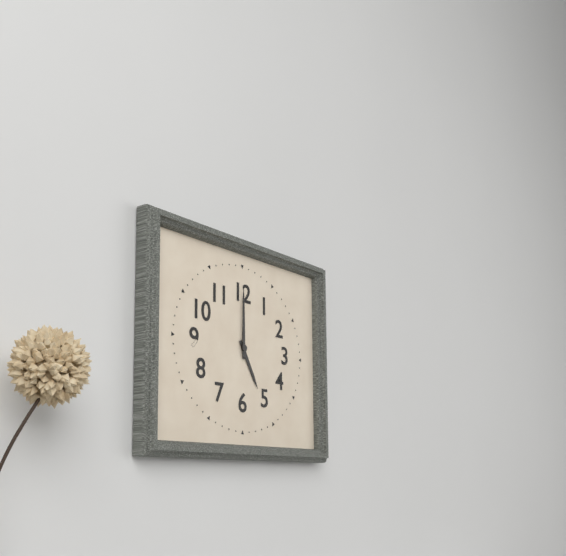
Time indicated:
5h00
